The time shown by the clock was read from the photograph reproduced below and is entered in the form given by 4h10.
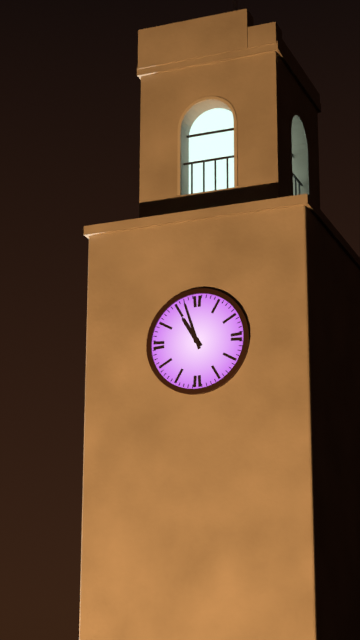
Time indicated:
10h57
